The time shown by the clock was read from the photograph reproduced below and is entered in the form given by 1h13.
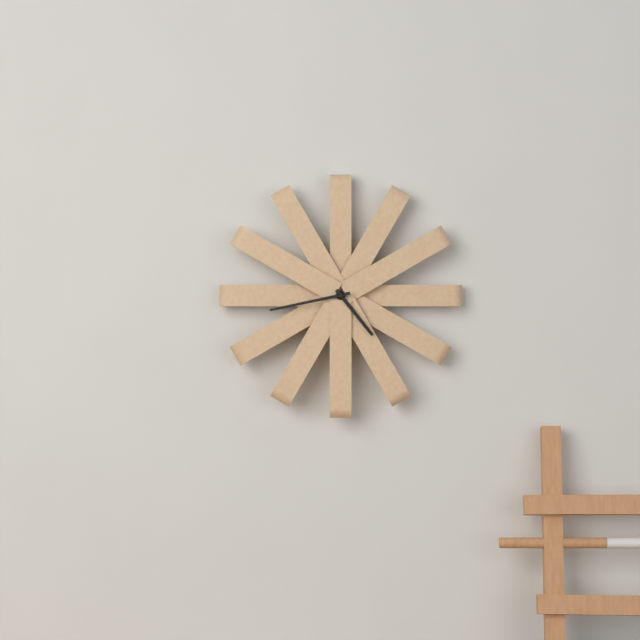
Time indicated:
4h43
